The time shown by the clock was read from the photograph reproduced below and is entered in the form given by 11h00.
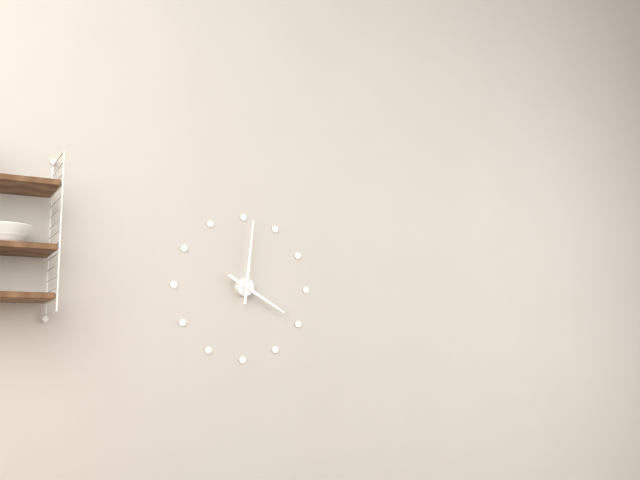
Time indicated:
4h01
